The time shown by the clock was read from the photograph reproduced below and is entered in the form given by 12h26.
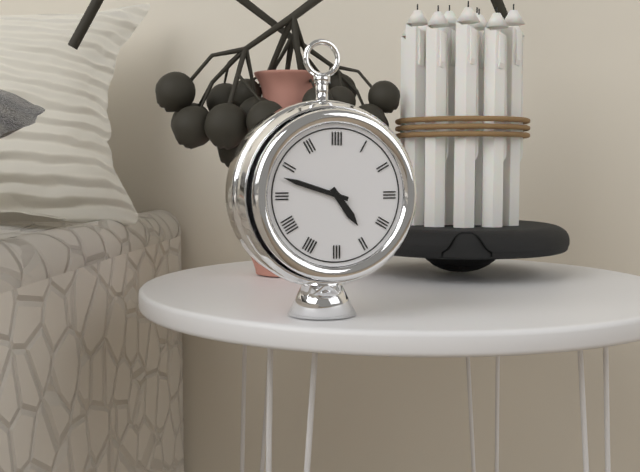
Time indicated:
4h48
